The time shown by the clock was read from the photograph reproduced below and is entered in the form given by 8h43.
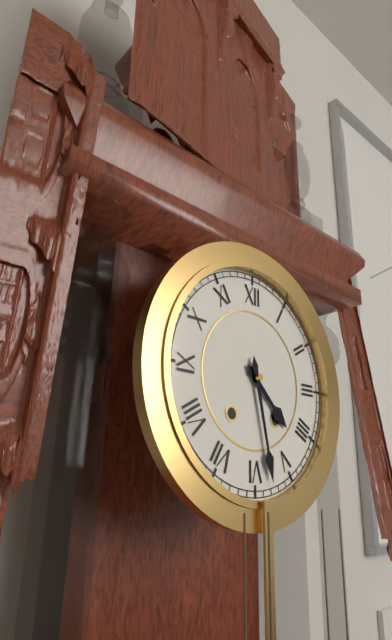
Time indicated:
4h28
